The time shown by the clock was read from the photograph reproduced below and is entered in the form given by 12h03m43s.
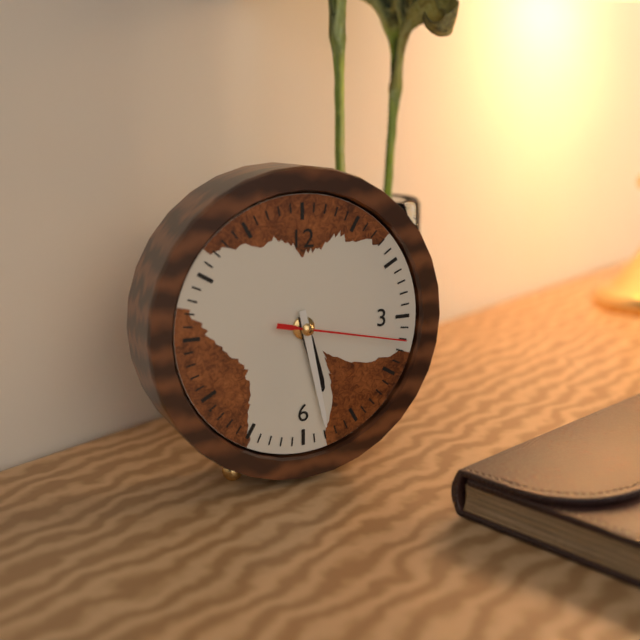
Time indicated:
5h28m17s
